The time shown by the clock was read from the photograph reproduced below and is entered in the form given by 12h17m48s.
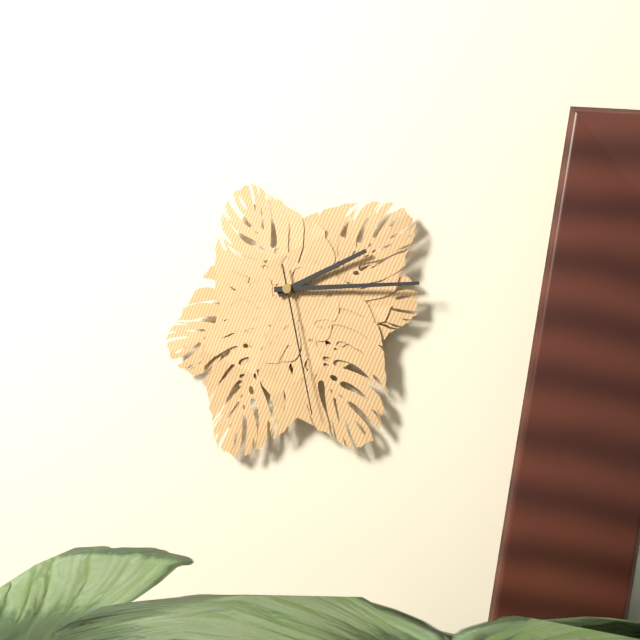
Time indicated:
2h15m28s
